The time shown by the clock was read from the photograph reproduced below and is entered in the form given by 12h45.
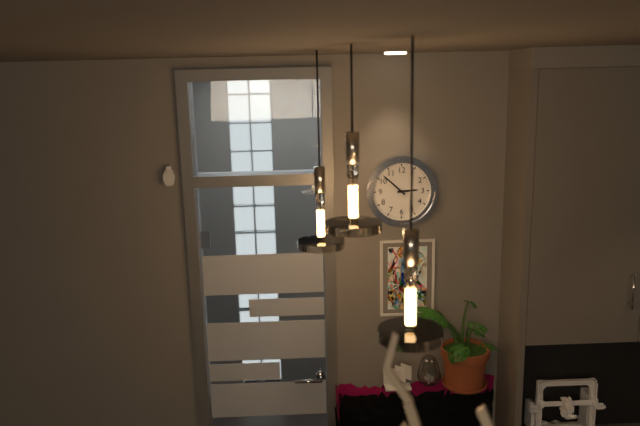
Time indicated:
2h52
